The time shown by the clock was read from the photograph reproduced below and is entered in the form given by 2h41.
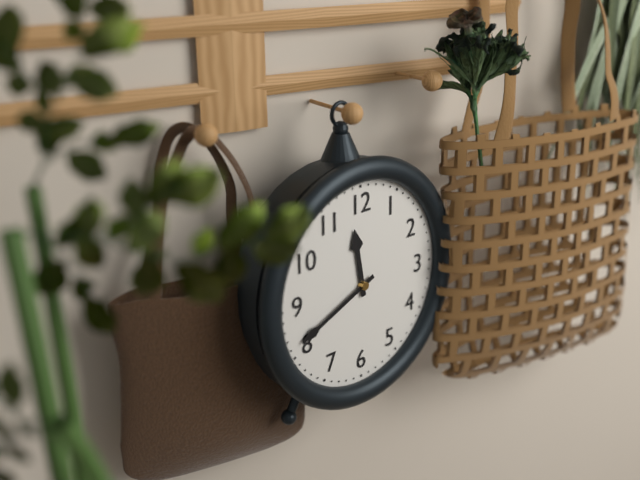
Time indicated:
11h41
